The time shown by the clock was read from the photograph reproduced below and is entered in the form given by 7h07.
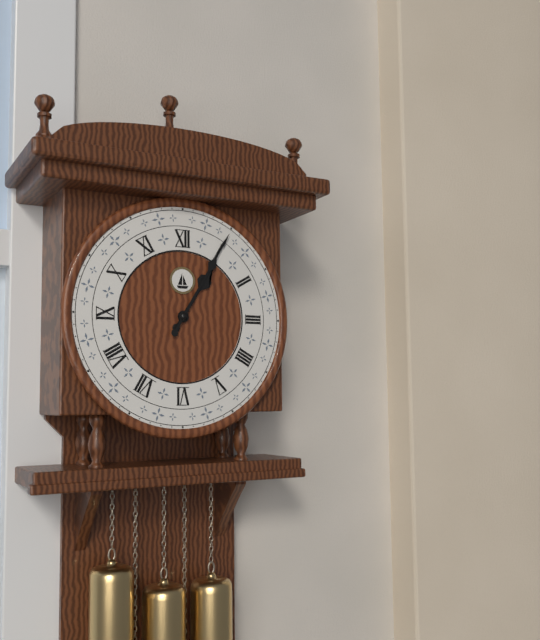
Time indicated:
1h05
